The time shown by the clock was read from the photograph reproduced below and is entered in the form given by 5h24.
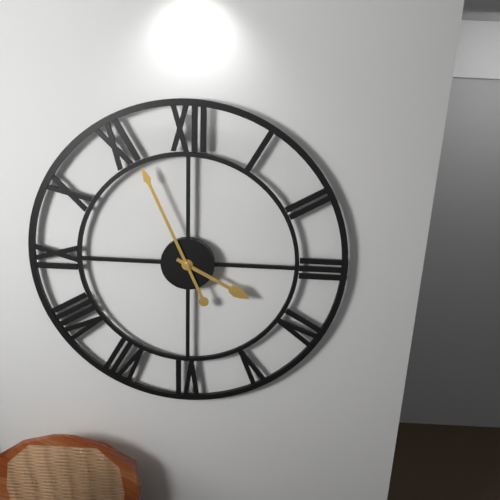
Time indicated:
3h56
